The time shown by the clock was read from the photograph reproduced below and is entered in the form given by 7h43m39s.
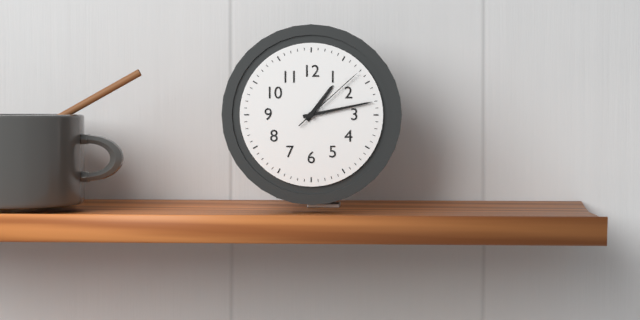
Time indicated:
1h13m08s
